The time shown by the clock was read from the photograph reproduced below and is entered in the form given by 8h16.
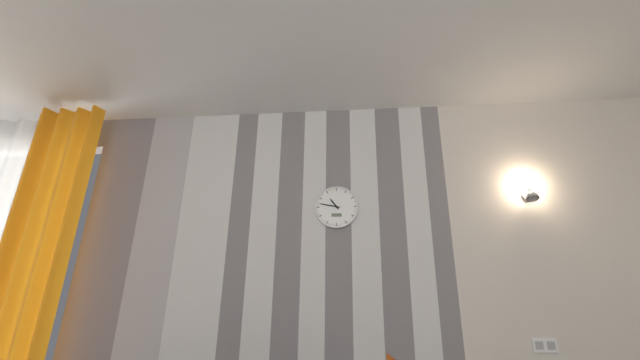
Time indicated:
10h47
